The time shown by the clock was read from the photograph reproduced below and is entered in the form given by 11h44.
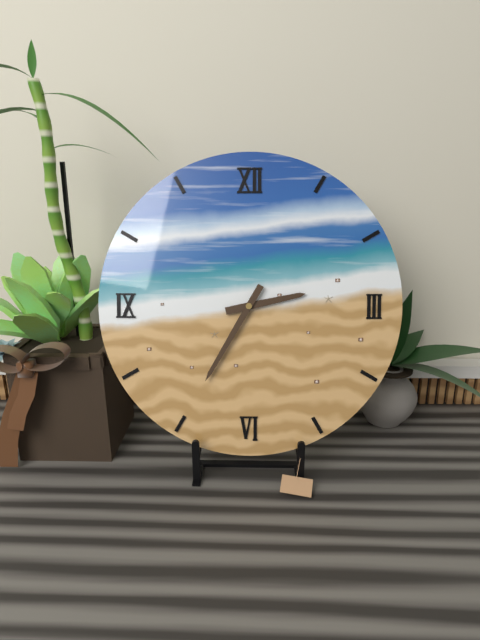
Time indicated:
2h35
